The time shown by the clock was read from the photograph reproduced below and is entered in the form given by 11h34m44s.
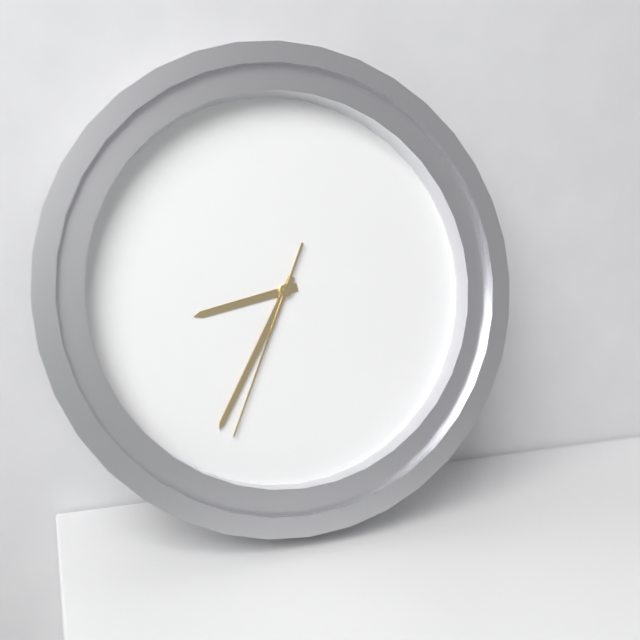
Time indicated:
8h35m34s
